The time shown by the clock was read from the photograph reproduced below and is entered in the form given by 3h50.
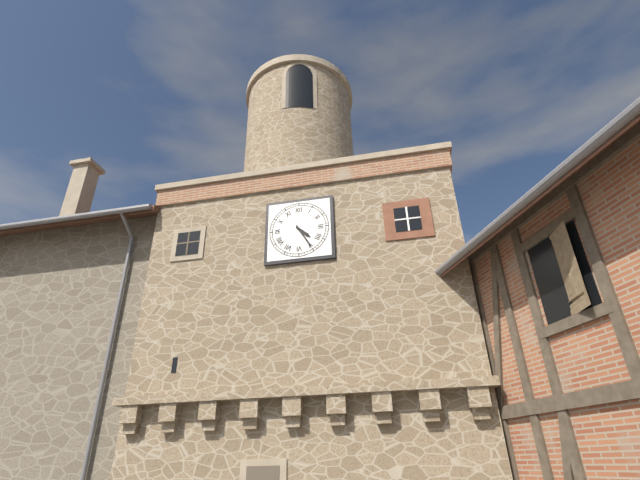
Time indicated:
4h25
